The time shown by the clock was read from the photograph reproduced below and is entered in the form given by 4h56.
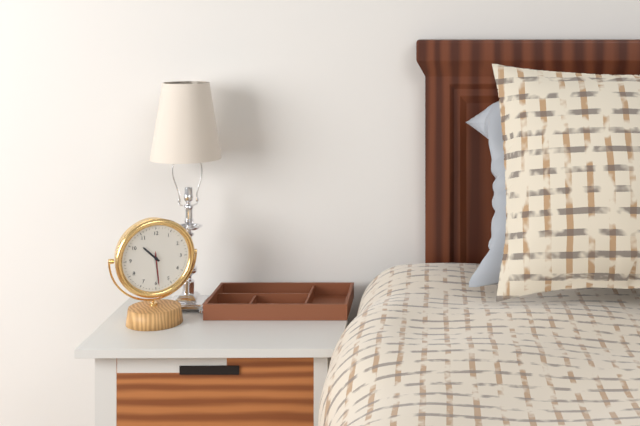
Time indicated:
10h29
